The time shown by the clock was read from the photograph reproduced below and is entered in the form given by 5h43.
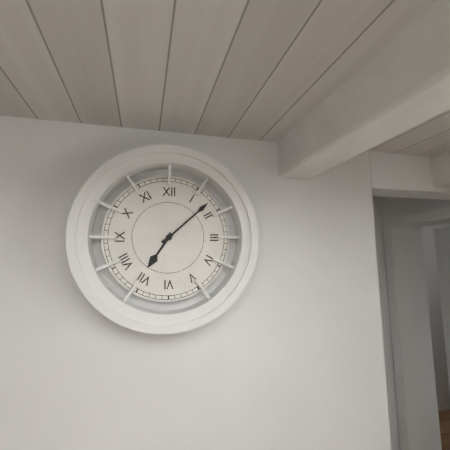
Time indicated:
7h08
